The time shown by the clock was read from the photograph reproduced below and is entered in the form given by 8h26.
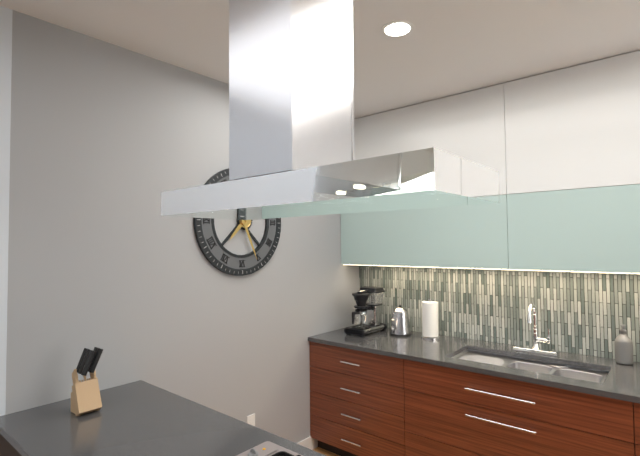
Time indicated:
7h26
